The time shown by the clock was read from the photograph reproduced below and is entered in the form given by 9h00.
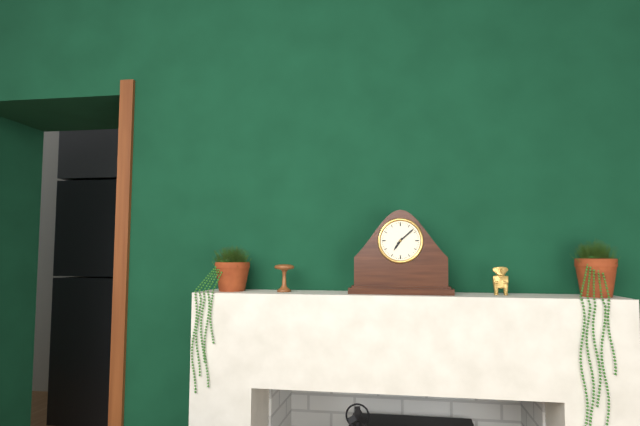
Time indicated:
7h08
